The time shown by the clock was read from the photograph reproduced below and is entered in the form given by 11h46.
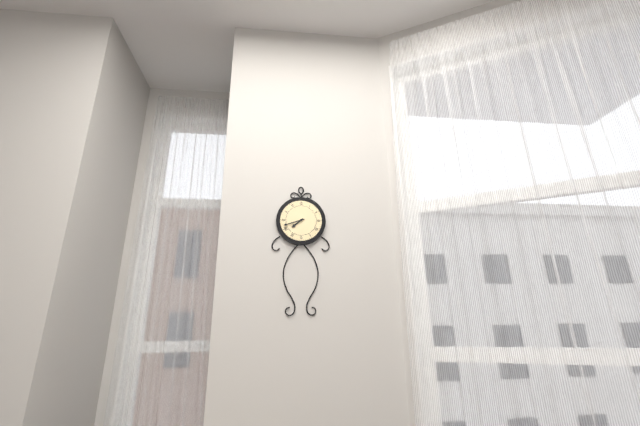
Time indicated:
7h42
